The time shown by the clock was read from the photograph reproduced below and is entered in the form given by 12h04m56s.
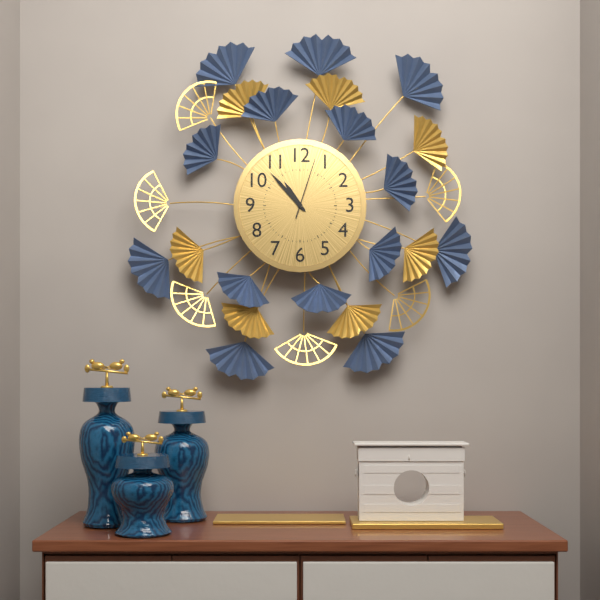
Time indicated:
10h53m03s
